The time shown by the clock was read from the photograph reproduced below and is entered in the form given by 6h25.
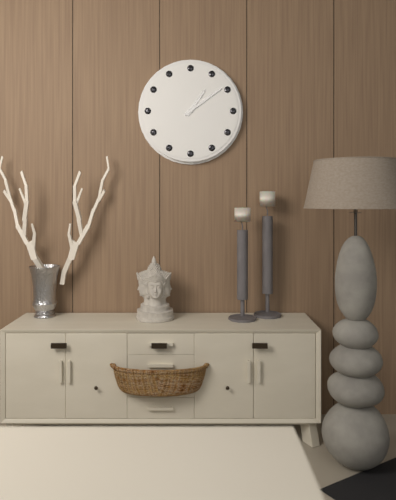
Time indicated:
1h09
